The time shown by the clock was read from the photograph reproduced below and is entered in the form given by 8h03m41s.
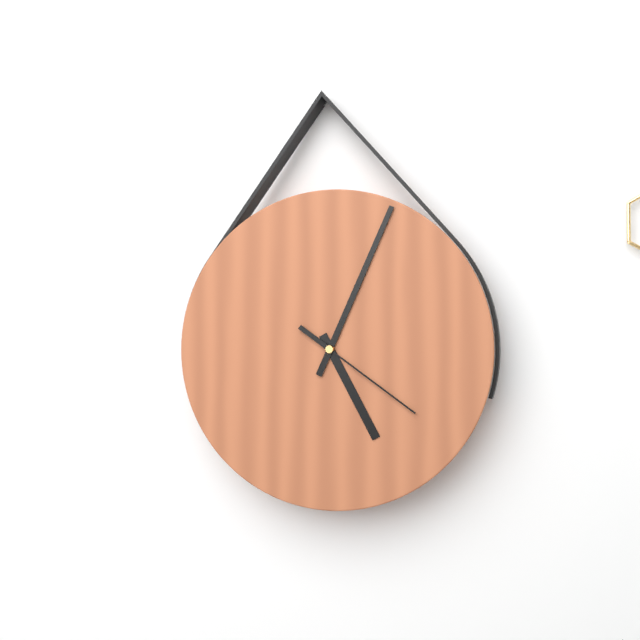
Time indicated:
5h04m21s
